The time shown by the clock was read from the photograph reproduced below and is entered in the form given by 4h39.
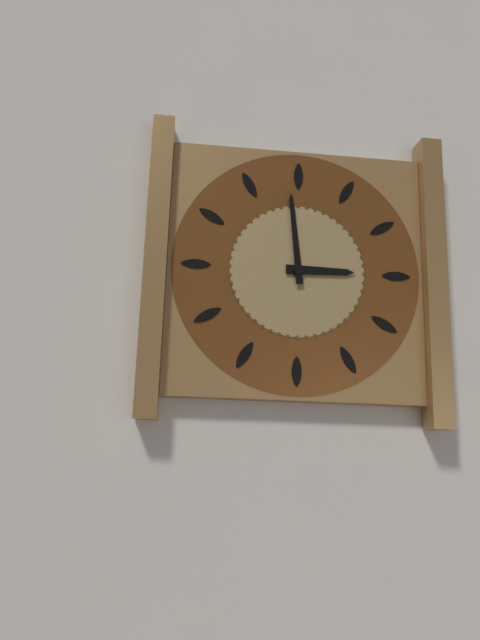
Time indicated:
2h59
